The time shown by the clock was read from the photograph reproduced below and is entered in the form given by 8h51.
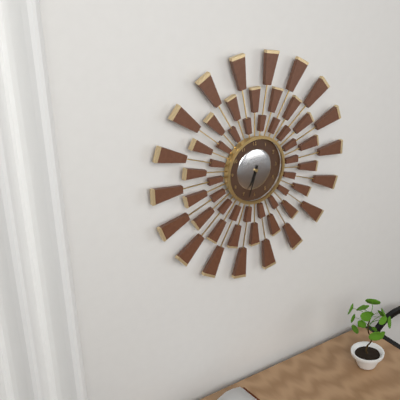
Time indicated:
6h33
